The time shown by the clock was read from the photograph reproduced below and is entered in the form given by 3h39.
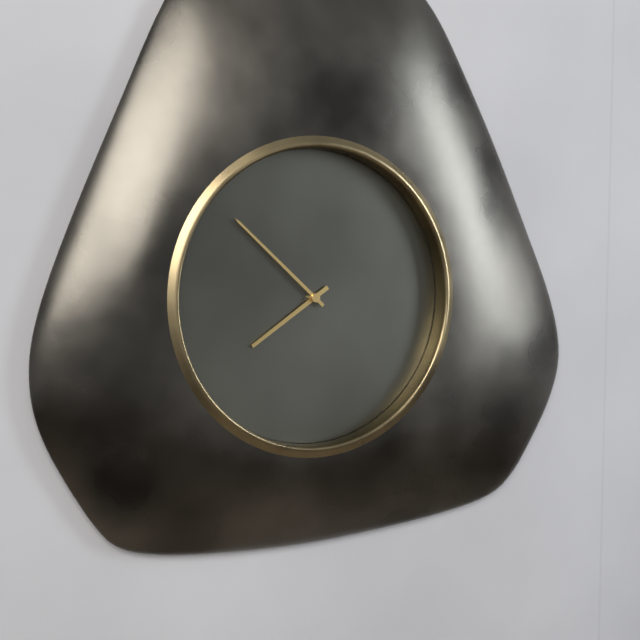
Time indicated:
7h52
